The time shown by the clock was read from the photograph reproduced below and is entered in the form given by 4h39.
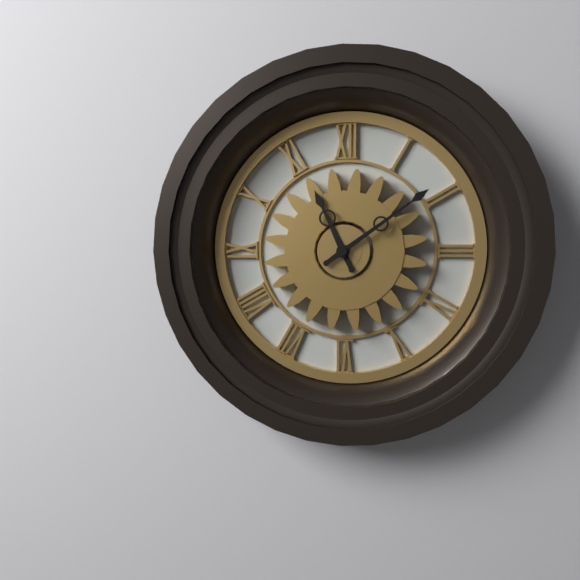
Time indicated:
11h09
